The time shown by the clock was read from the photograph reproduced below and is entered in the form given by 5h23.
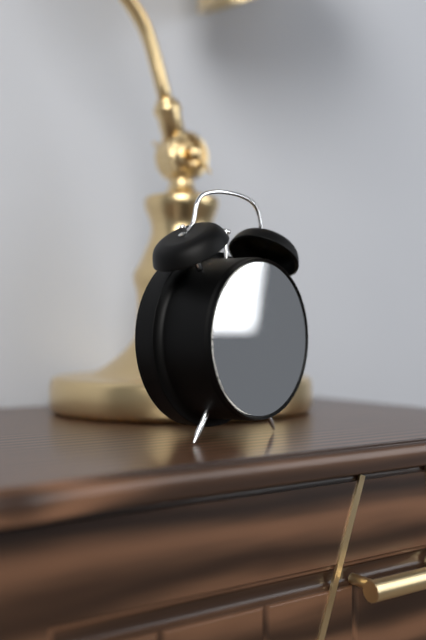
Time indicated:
3h21
